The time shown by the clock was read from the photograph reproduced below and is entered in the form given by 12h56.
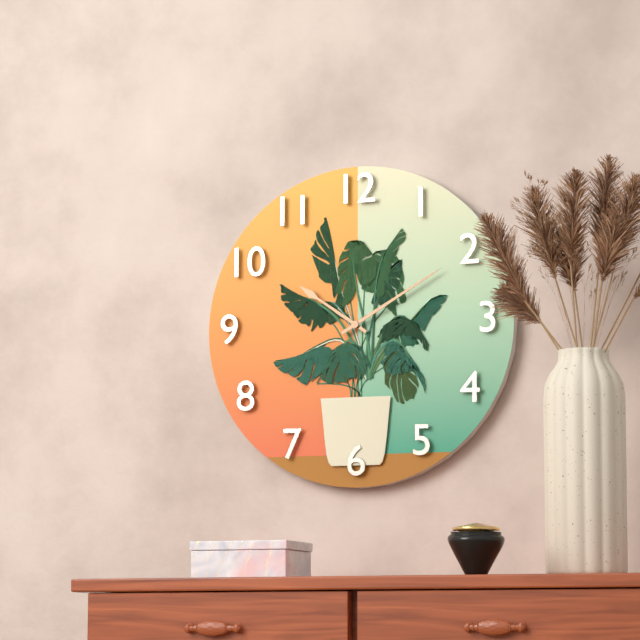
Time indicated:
10h10
